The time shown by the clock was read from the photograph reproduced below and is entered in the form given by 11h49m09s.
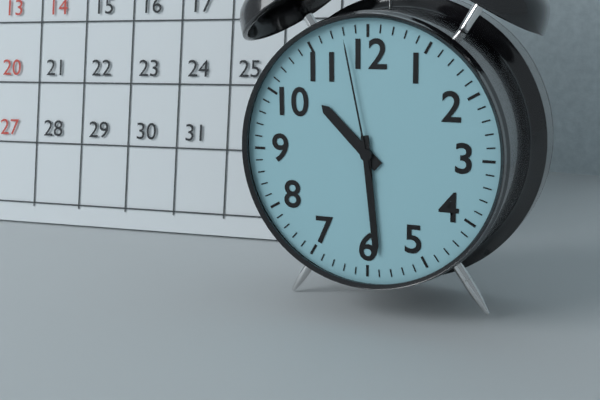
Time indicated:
10h29m58s
